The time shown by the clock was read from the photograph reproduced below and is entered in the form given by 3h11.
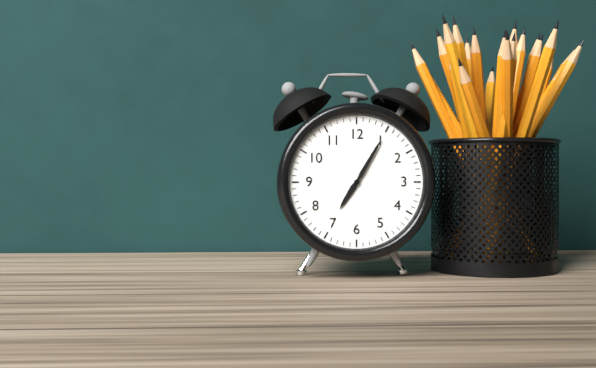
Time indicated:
7h05
